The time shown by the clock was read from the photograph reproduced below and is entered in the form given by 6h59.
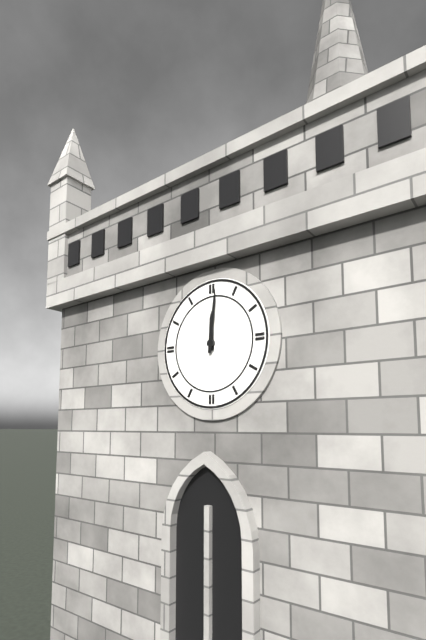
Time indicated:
12h01
